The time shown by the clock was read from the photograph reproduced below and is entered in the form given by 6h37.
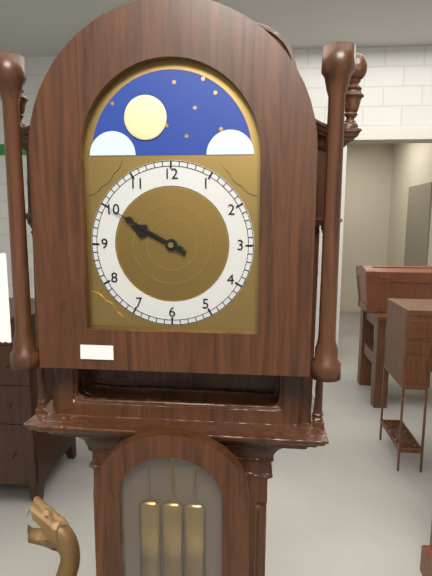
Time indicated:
9h50
